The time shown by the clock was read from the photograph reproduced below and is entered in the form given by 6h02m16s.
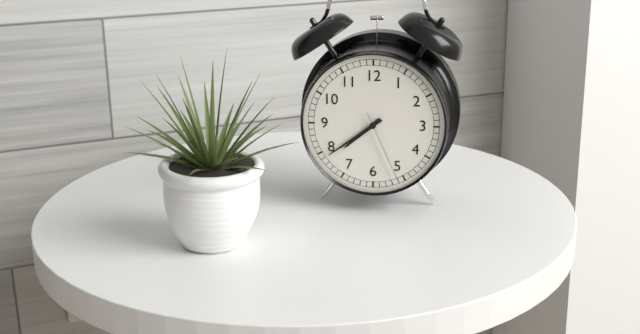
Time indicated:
7h39m26s
